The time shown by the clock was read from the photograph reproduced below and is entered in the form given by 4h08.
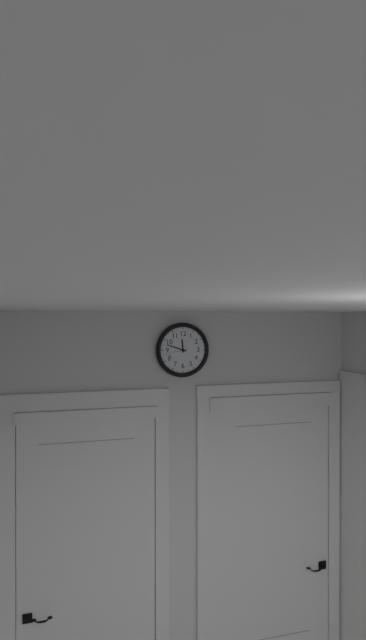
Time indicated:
11h48
